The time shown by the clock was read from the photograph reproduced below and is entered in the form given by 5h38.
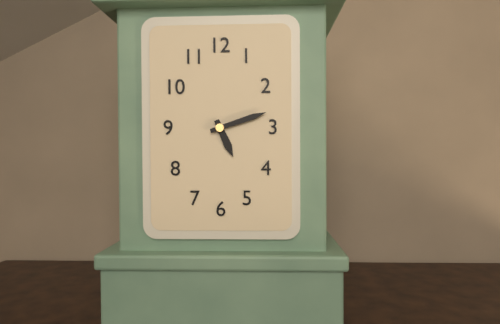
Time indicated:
5h12
